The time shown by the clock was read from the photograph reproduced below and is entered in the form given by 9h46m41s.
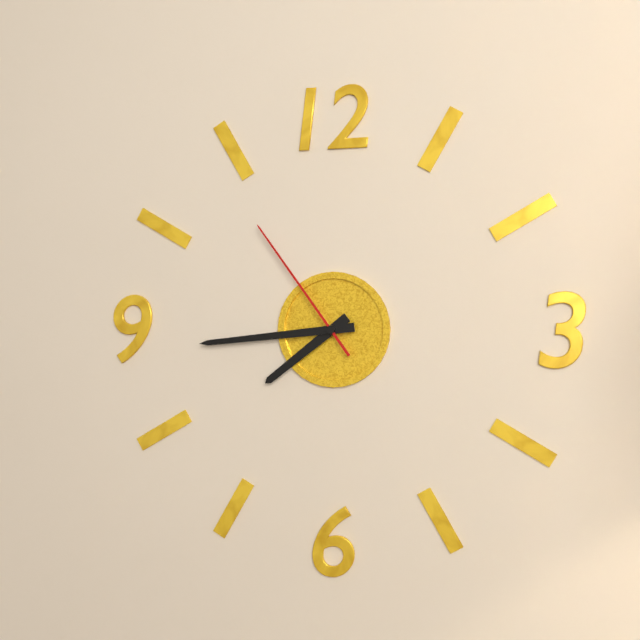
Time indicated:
7h44m54s
